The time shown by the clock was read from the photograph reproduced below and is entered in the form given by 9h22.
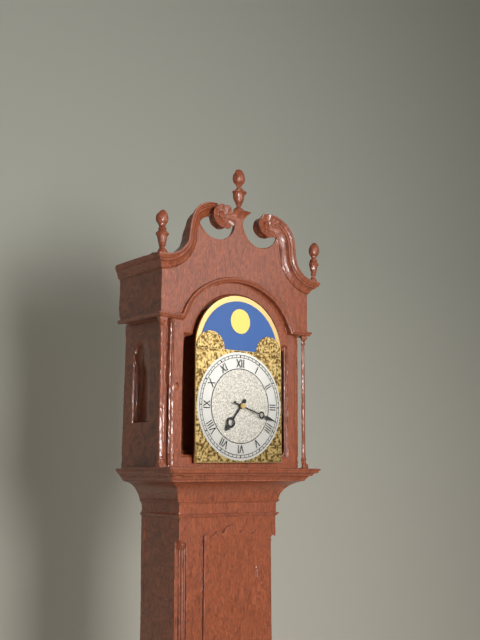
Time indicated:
7h18
